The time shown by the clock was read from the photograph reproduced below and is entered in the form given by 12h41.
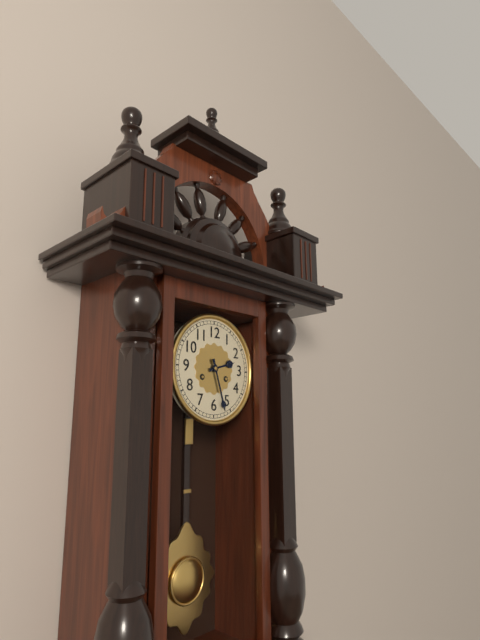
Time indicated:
2h27
